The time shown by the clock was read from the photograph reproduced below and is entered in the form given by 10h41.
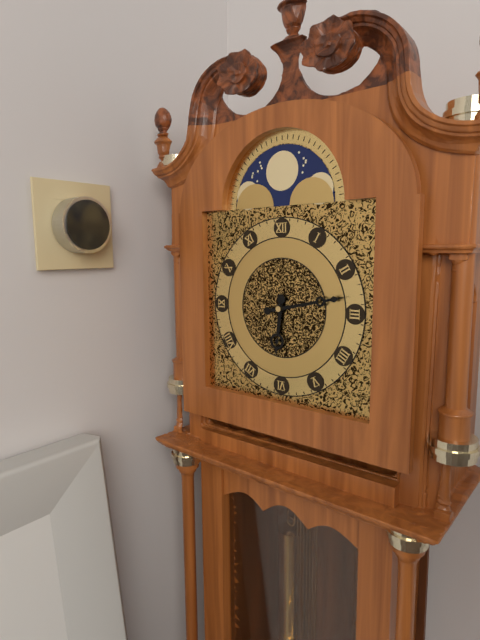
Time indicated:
6h13
